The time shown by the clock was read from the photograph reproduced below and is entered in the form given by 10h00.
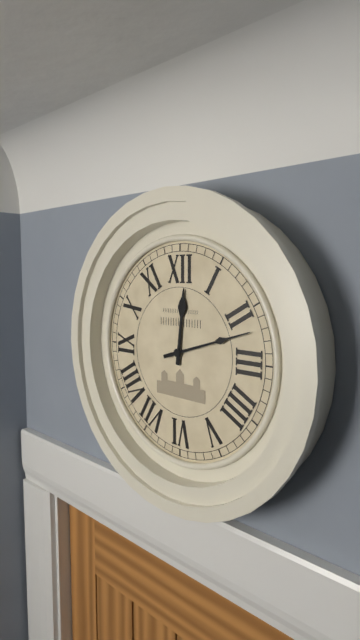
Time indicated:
12h12
